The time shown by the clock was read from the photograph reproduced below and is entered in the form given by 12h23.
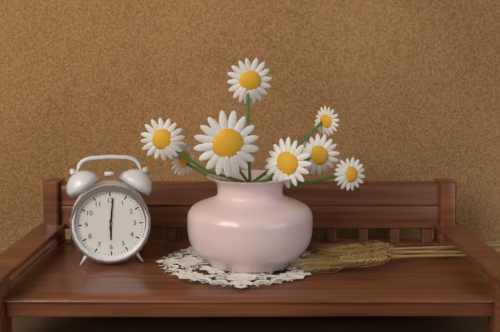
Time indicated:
6h01
